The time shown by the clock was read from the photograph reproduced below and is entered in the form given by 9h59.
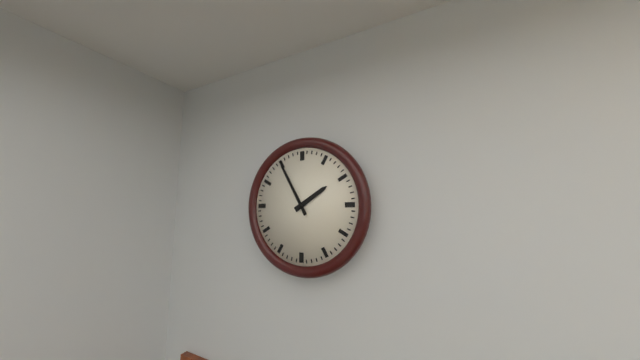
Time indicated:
1h55
